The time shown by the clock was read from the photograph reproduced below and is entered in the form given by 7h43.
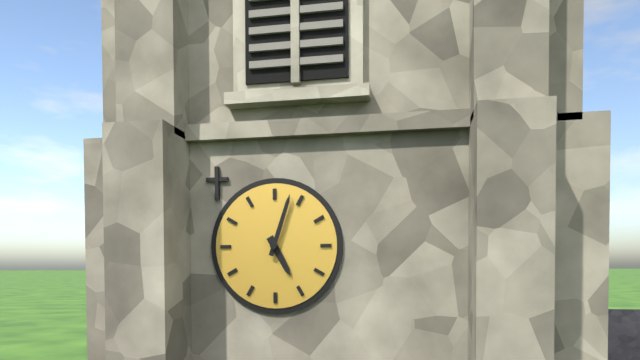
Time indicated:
5h03
